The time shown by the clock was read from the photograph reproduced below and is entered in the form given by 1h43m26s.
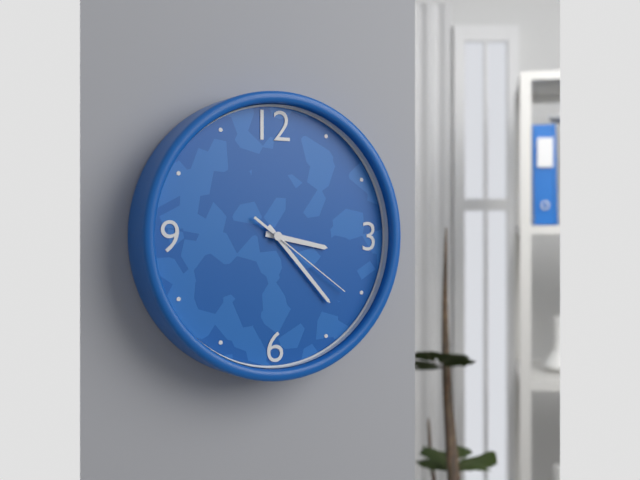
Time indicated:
3h23m21s
